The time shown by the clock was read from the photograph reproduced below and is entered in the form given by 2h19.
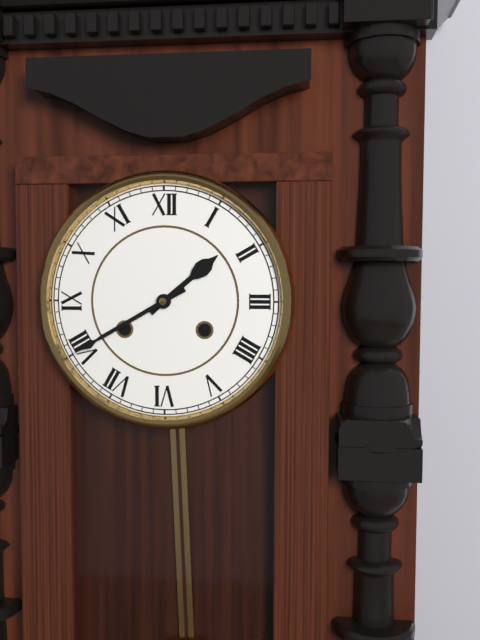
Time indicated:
1h40
